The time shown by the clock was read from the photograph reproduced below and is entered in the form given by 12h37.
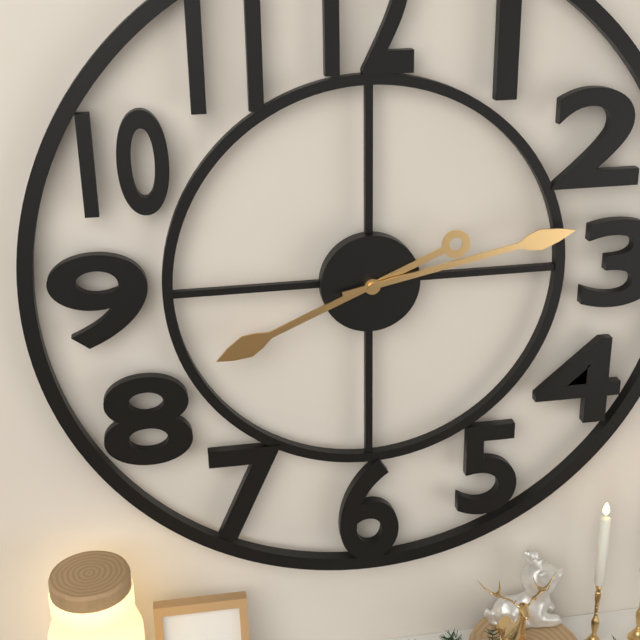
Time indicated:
8h13
